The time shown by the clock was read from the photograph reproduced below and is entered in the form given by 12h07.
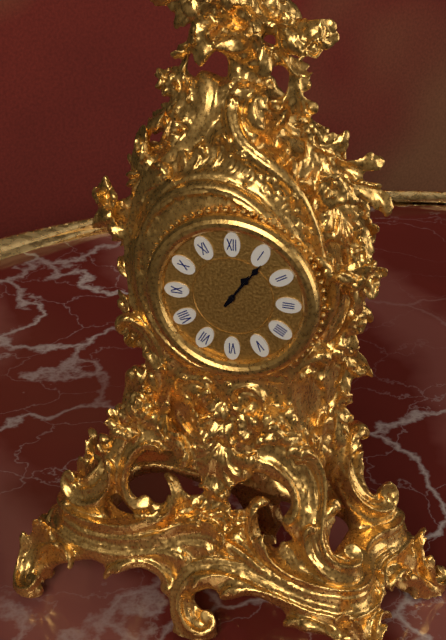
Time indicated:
1h06
